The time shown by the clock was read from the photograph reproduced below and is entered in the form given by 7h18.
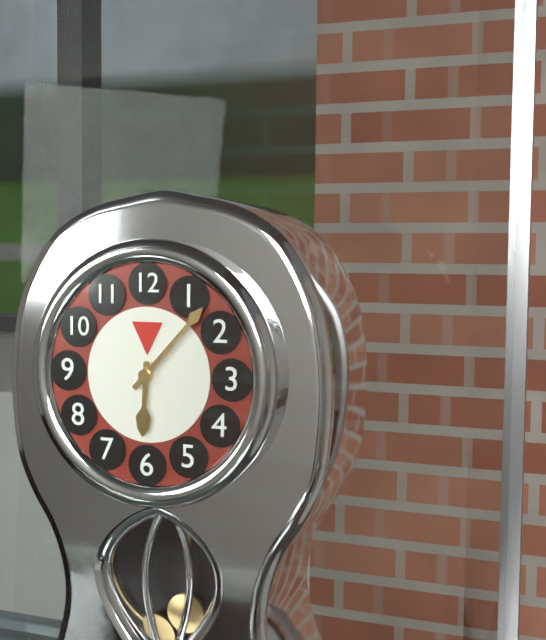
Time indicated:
6h07
